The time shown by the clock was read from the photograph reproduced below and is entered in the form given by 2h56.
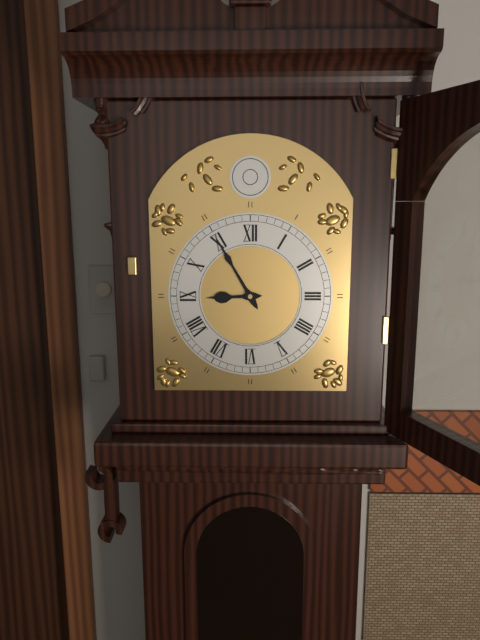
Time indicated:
8h55
